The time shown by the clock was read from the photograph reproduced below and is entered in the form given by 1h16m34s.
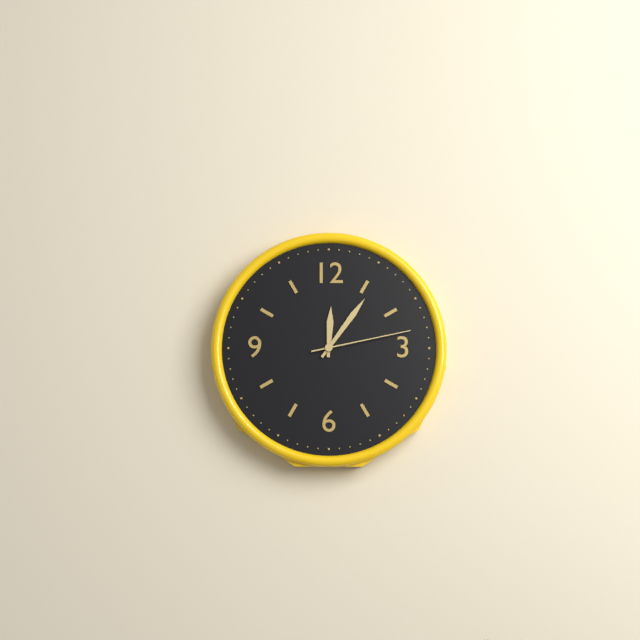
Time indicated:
12h06m13s
